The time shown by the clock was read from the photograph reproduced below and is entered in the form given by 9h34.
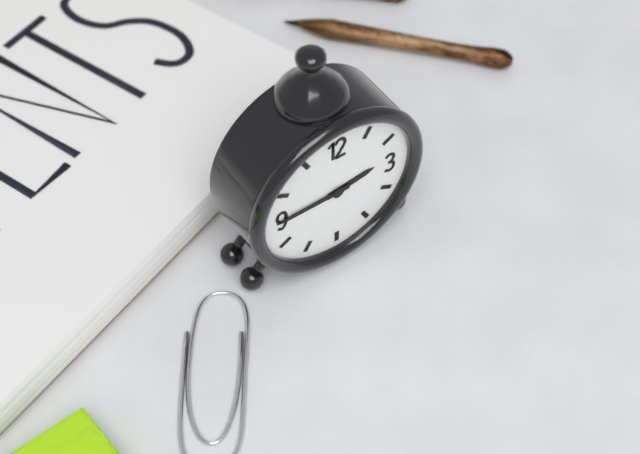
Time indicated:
2h45
